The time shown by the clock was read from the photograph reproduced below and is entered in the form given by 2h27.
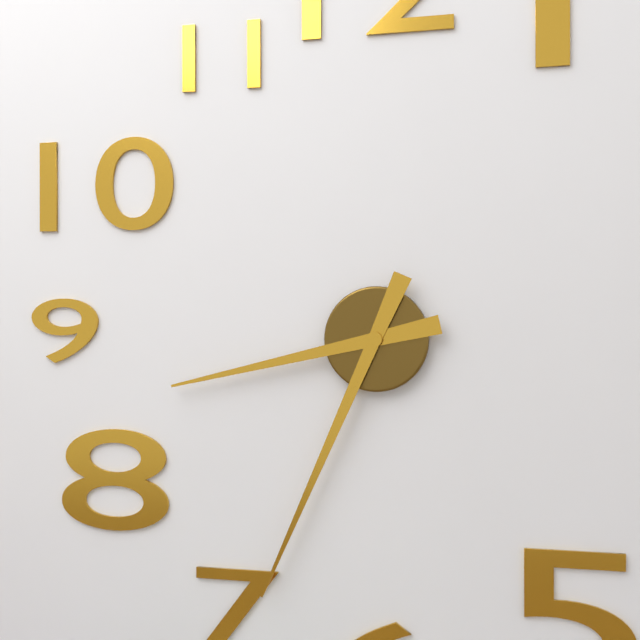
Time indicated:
8h34
